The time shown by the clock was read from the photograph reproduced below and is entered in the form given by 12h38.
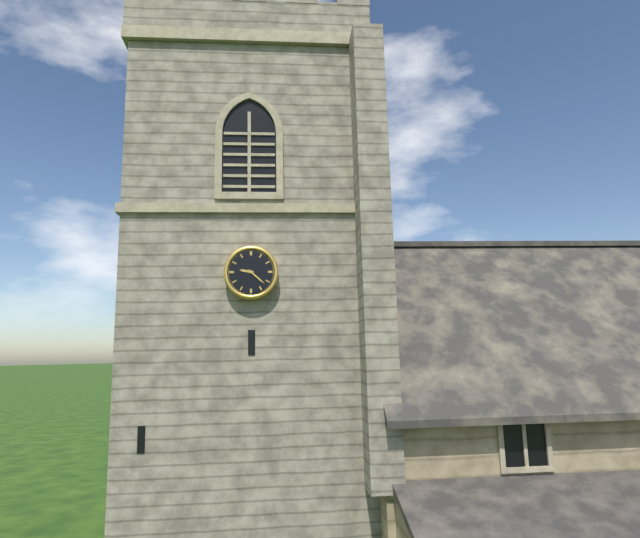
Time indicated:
9h22
